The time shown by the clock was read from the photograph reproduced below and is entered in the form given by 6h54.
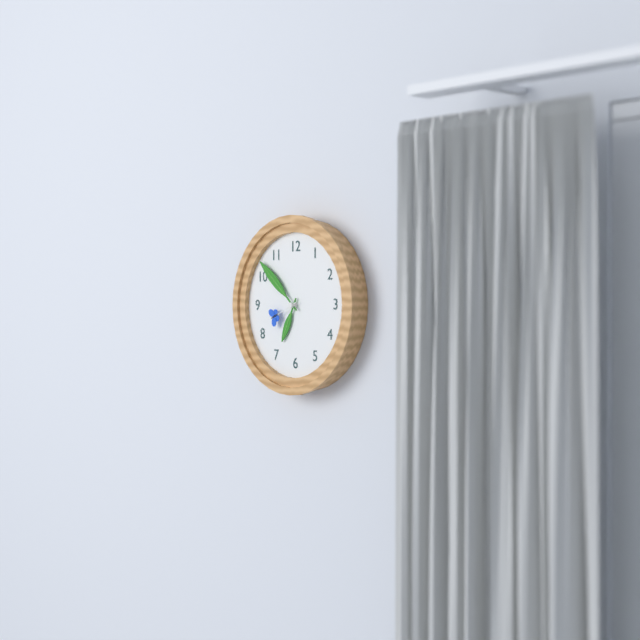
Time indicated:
6h52
